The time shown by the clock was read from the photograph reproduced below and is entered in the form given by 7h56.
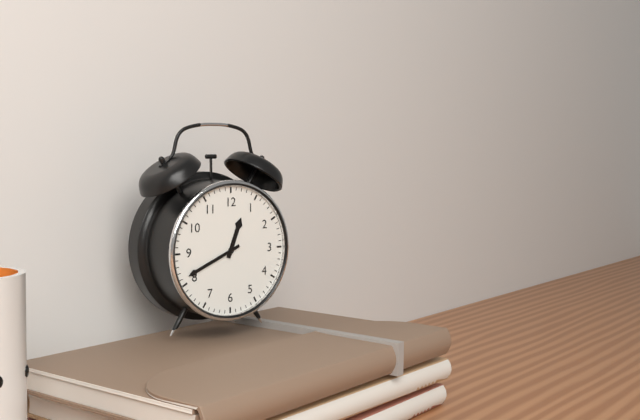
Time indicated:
12h41
